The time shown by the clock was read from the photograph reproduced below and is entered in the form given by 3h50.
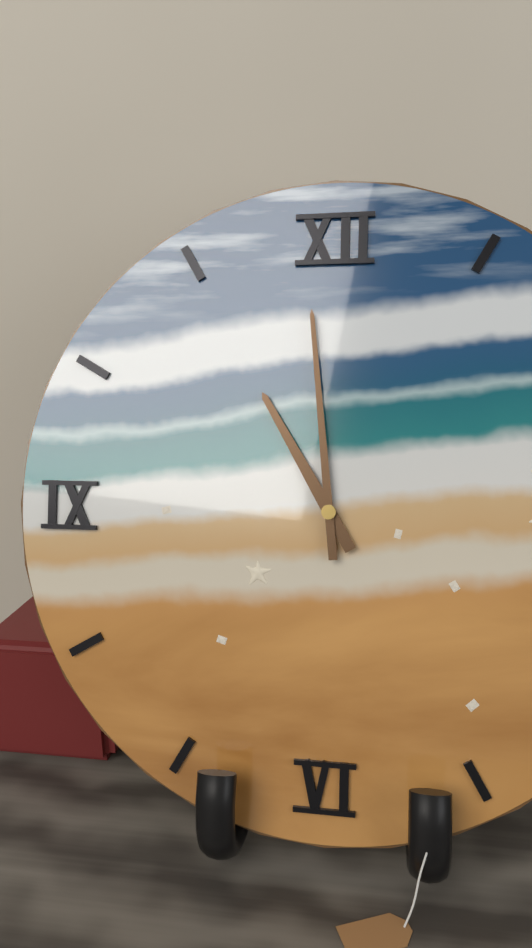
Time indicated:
10h59
